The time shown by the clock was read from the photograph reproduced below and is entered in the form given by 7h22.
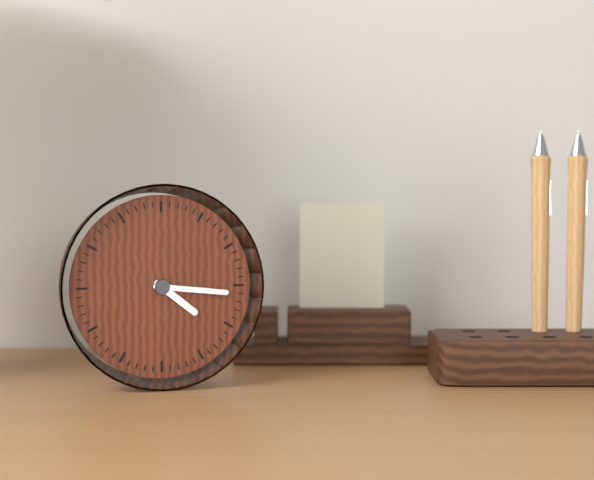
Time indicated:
4h16
